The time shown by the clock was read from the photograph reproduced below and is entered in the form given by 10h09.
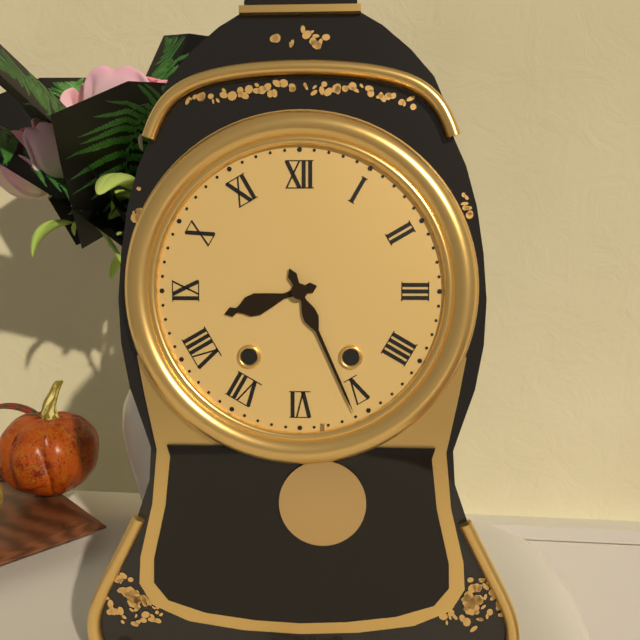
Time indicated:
8h26
